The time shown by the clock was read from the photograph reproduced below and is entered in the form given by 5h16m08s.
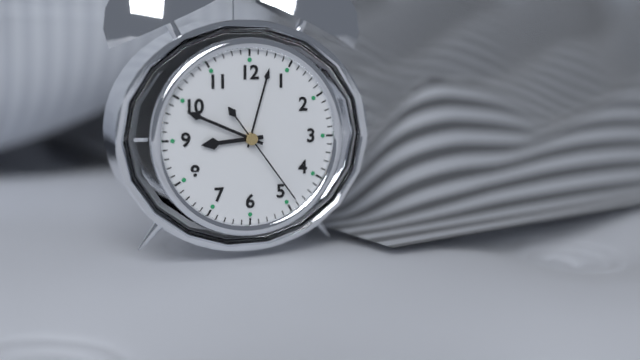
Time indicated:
8h49m24s
